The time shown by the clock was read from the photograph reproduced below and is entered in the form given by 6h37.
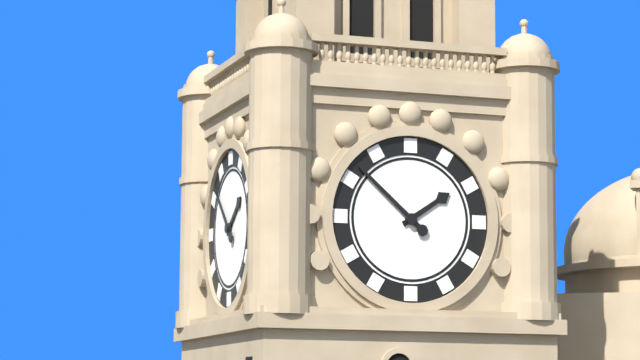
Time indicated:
1h52
